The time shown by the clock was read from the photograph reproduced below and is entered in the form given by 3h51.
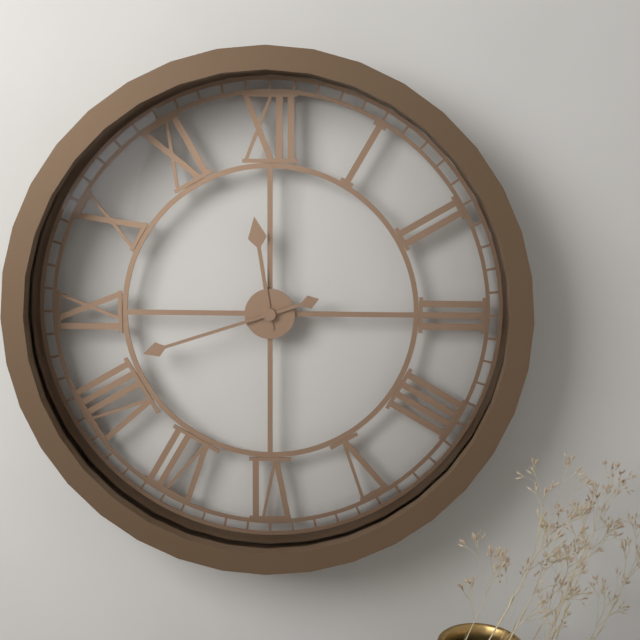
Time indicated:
11h42
